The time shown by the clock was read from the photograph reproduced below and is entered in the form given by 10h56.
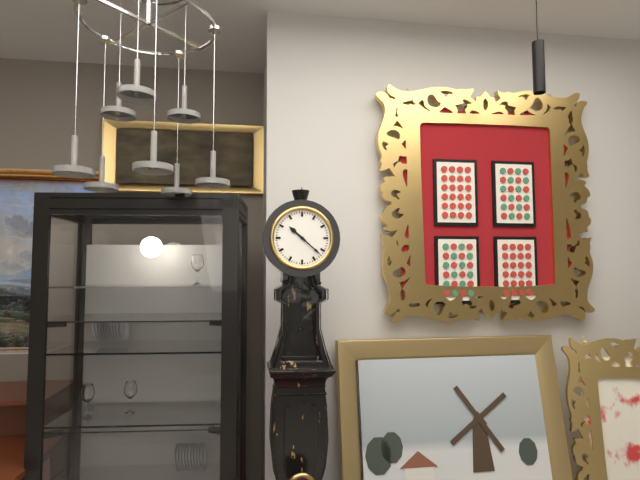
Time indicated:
10h22
